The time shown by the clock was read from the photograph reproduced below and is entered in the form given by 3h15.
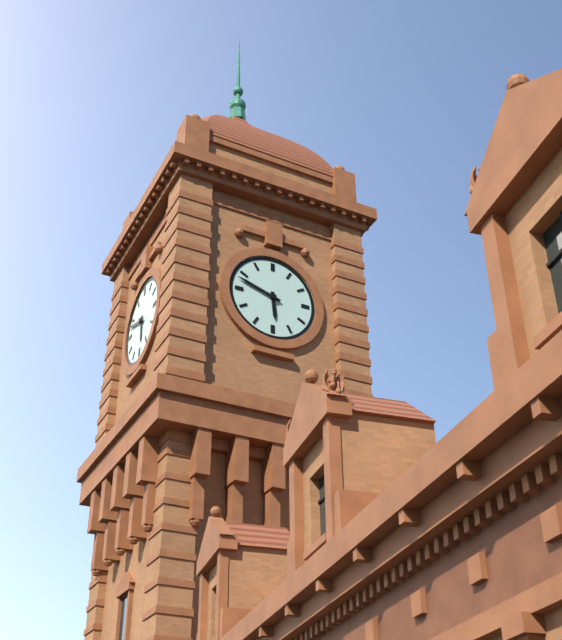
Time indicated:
5h48
